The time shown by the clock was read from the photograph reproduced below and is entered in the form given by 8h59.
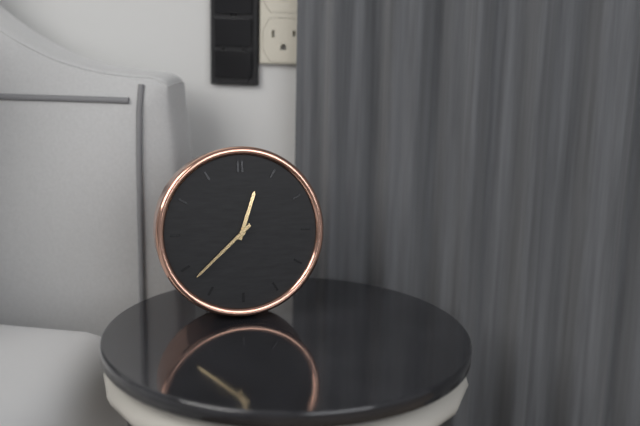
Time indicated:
12h38
